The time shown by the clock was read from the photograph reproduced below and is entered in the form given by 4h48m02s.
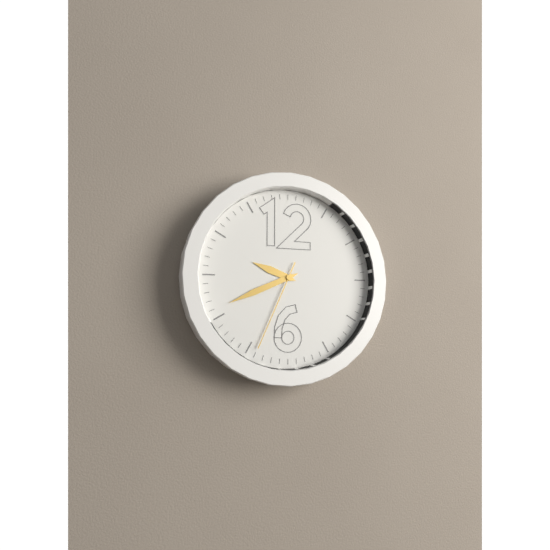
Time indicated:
9h41m34s
